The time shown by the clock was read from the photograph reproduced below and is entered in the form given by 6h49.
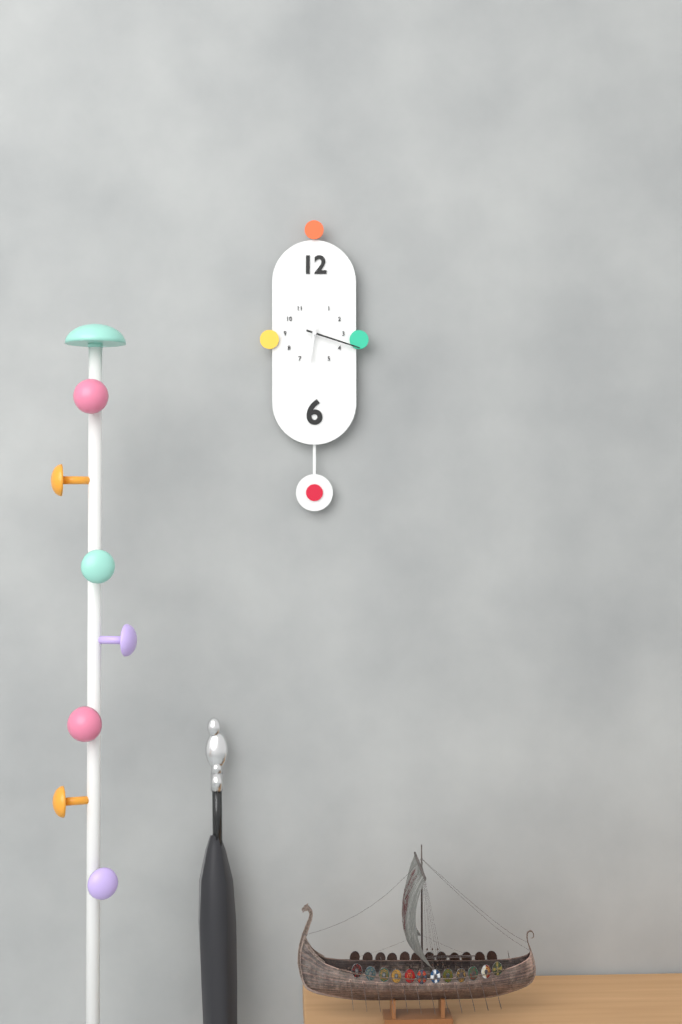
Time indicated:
6h18
